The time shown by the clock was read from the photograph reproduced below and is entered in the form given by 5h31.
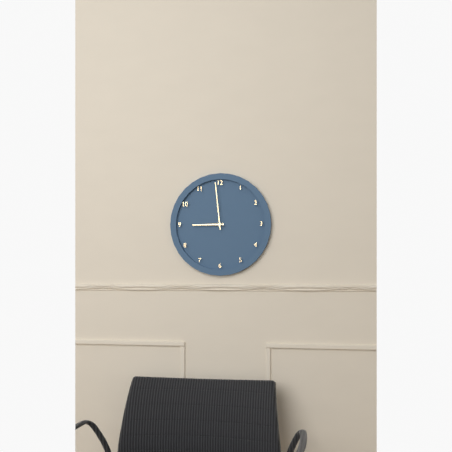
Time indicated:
8h59
